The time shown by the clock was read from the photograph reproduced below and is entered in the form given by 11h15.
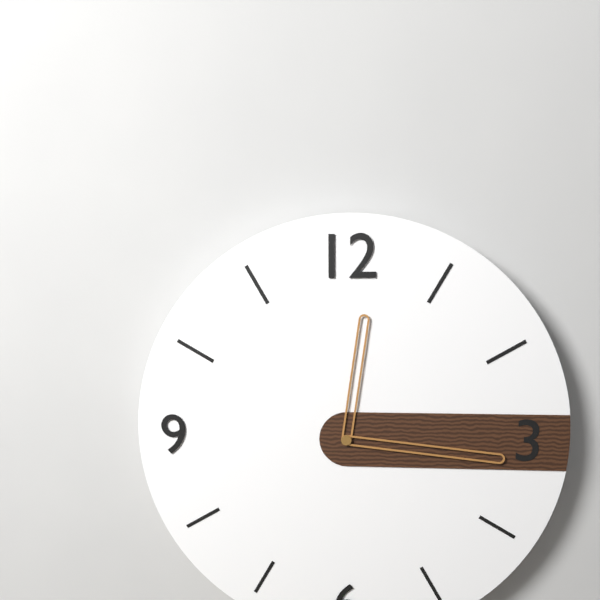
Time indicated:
12h16
